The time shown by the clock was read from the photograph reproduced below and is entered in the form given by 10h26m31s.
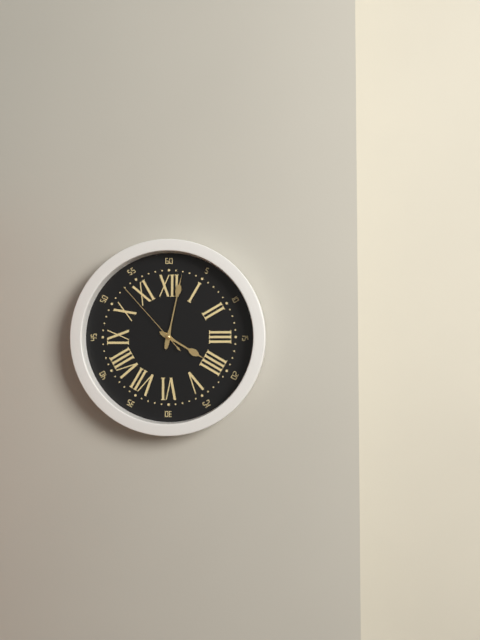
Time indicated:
4h02m53s
